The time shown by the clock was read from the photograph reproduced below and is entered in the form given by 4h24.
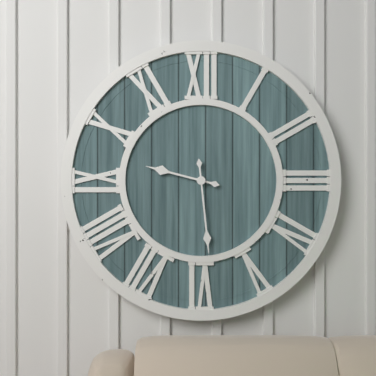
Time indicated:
9h29
